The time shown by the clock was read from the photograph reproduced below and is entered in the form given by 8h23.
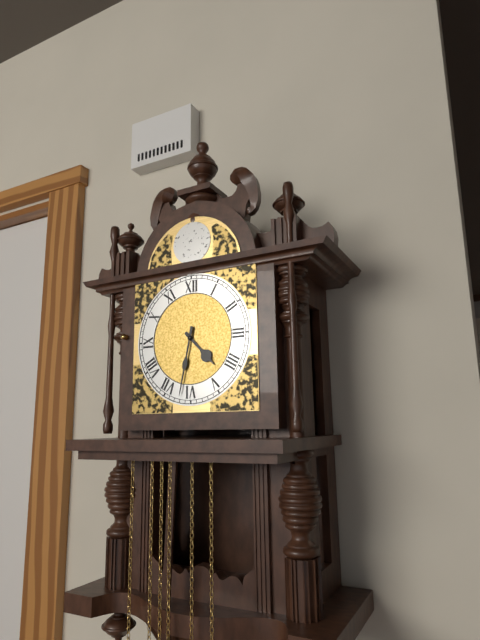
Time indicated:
4h32
